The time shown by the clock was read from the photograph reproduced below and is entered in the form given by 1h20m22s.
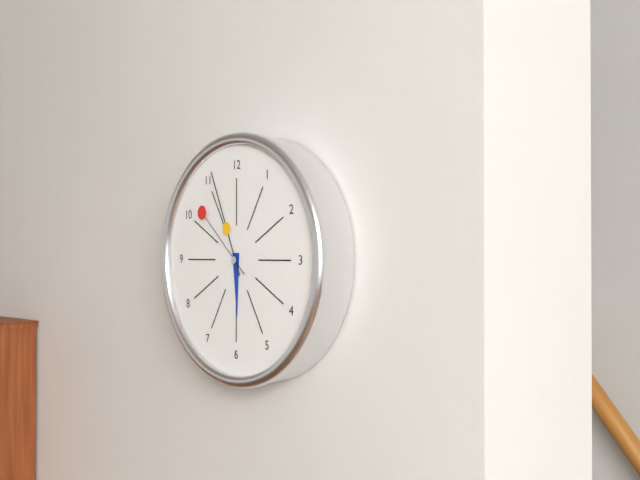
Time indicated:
5h56m52s
